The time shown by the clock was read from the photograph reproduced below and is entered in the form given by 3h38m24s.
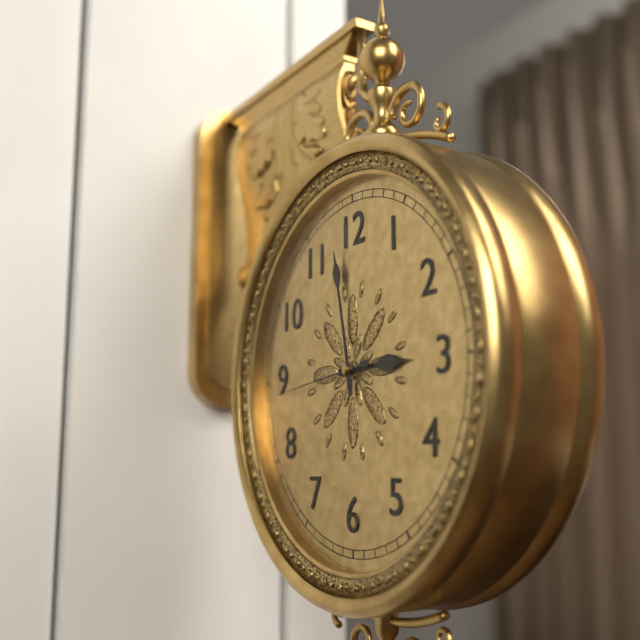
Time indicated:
2h58m44s
